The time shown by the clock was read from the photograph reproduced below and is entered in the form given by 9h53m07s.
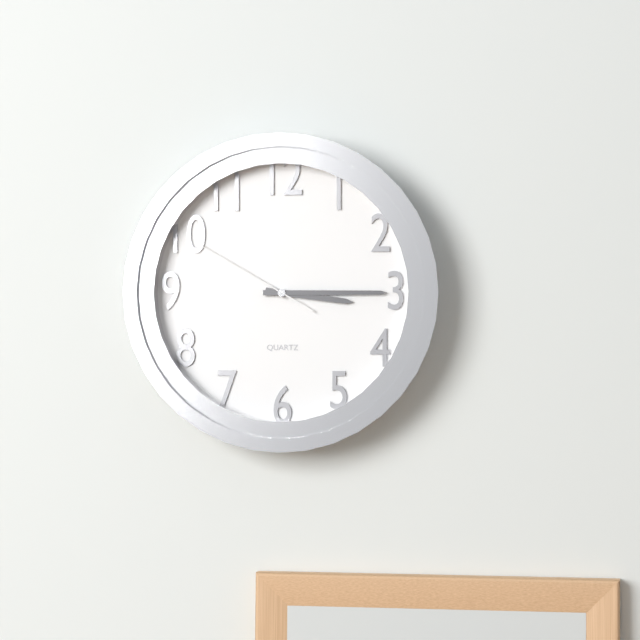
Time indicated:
3h15m50s
